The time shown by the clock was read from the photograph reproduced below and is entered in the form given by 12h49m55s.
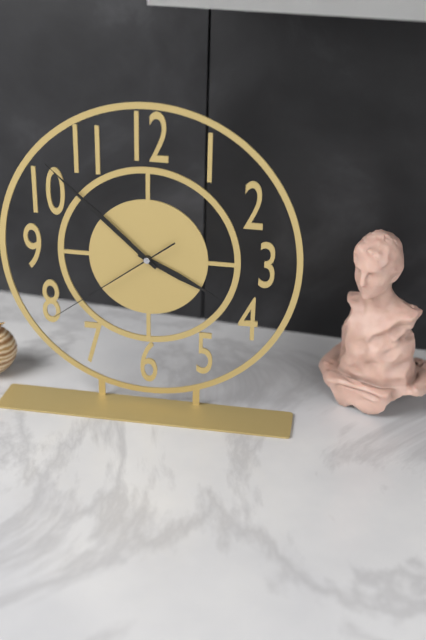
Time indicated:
3h52m39s
